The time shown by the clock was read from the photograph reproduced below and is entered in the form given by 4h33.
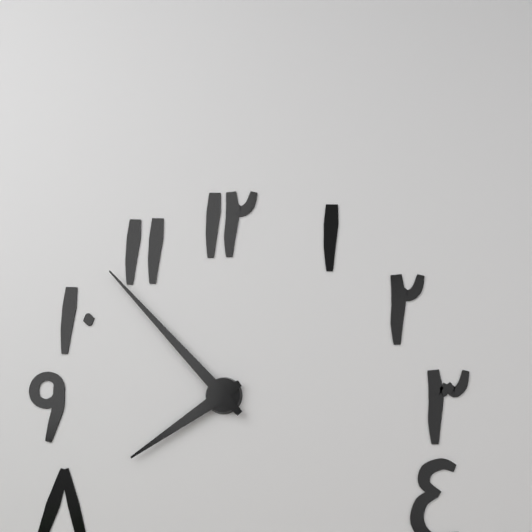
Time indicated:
7h53
